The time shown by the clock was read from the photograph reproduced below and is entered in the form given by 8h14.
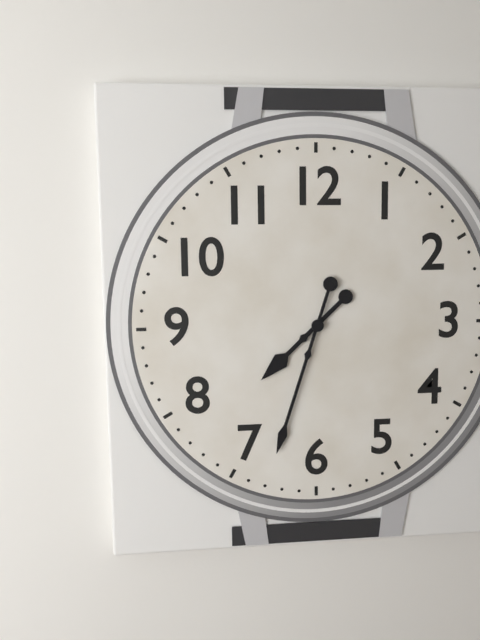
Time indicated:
7h33
